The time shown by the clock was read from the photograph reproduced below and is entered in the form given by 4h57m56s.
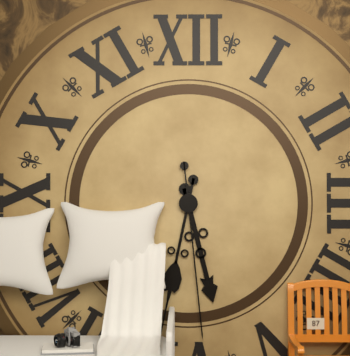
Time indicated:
5h32m29s
